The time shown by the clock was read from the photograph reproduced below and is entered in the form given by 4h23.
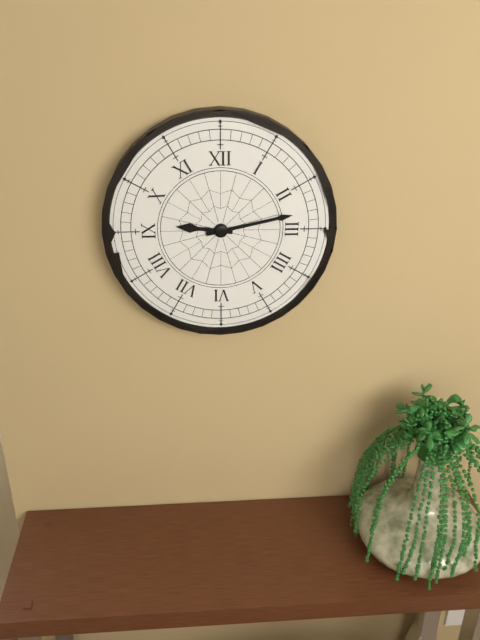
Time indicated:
9h13
